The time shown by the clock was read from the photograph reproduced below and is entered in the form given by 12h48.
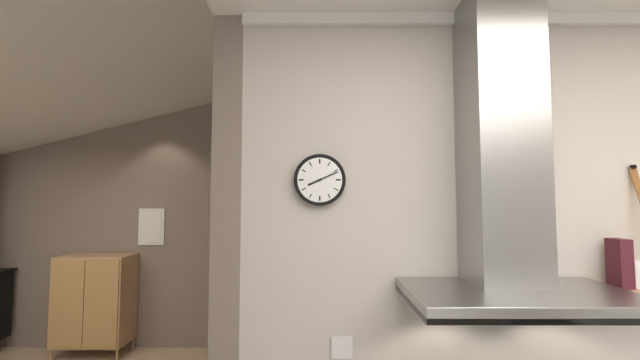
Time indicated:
8h11
